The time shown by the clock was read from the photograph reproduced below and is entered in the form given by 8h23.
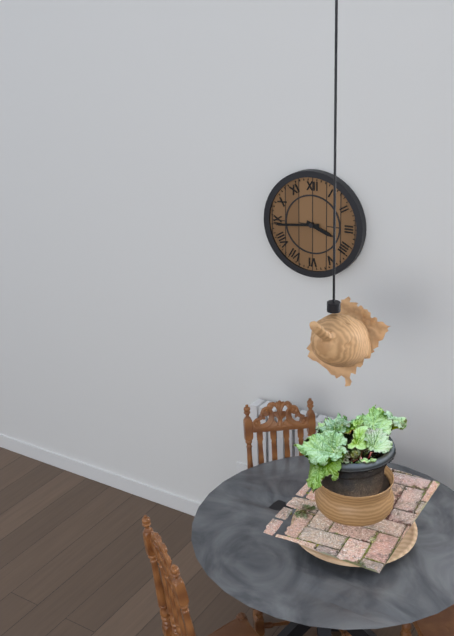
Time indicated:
3h44
